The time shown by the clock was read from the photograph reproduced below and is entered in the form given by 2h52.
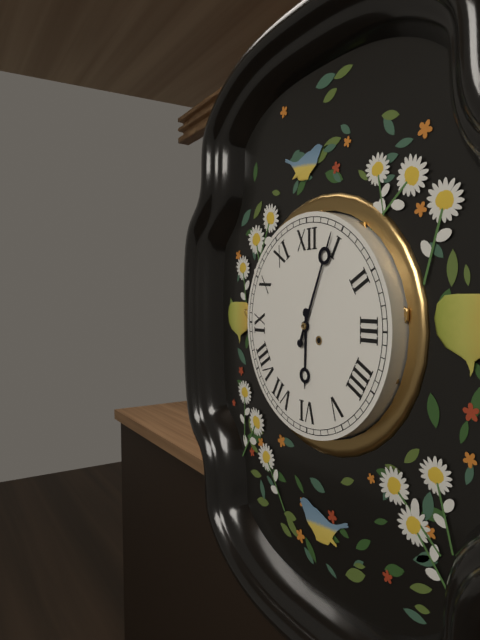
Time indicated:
6h04
